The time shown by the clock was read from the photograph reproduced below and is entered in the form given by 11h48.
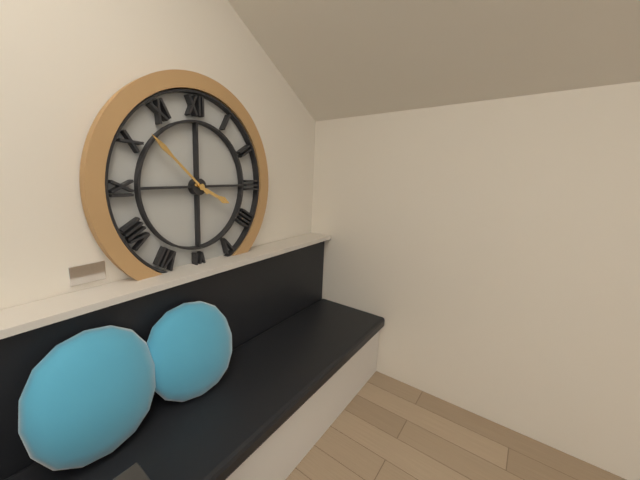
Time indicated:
3h52
